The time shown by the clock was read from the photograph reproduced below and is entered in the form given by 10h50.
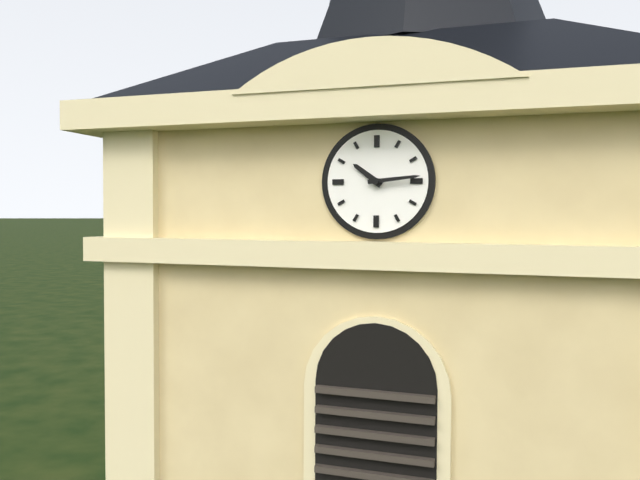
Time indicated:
10h14
